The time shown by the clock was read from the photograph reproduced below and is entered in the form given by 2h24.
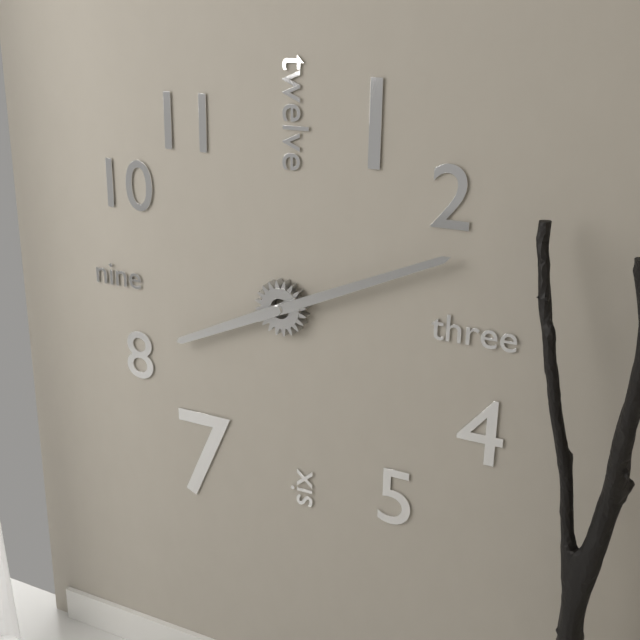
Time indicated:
8h11
